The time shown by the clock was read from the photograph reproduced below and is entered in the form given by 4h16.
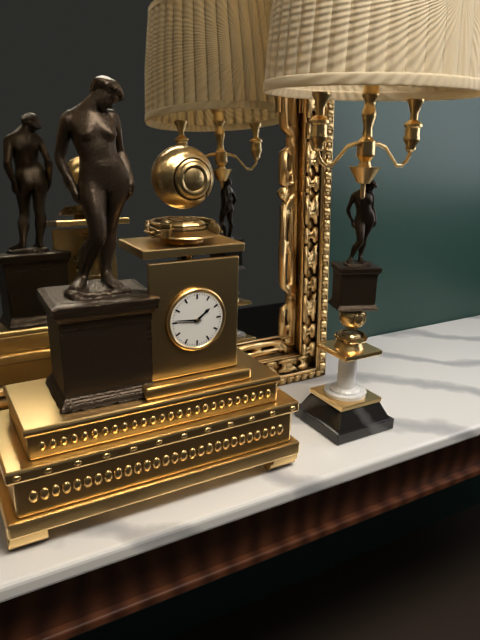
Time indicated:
1h46
